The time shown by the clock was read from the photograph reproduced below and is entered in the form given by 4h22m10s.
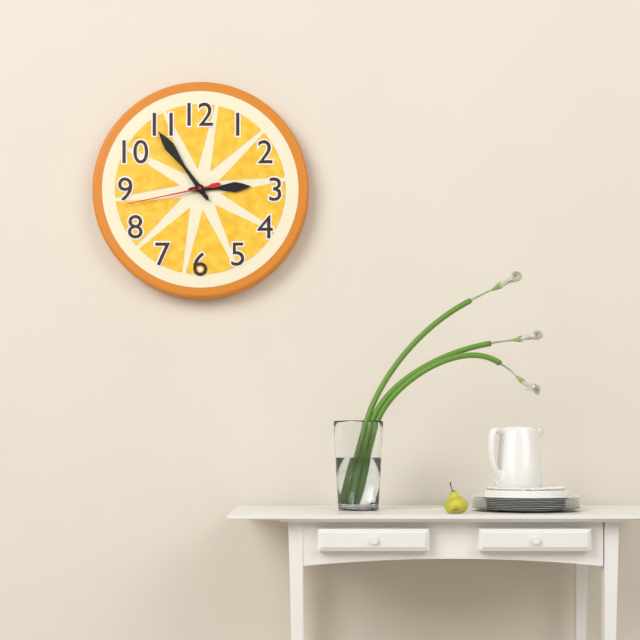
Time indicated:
2h54m43s
